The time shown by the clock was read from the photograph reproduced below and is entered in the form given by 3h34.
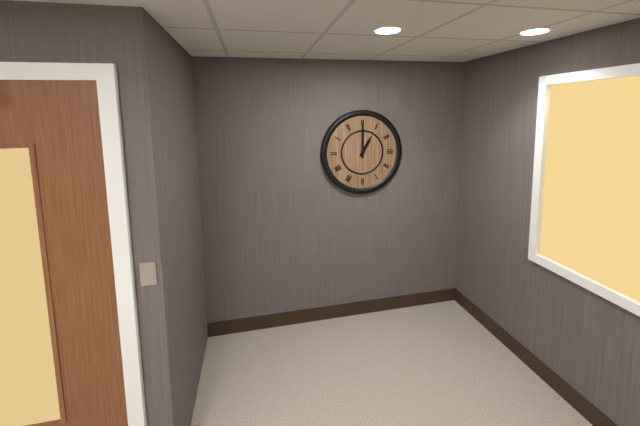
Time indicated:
1h00
